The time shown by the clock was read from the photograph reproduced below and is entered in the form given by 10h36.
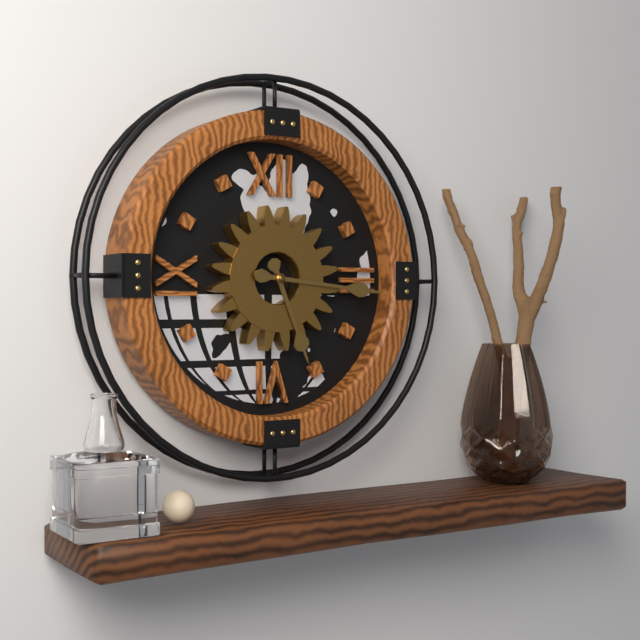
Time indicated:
5h16
